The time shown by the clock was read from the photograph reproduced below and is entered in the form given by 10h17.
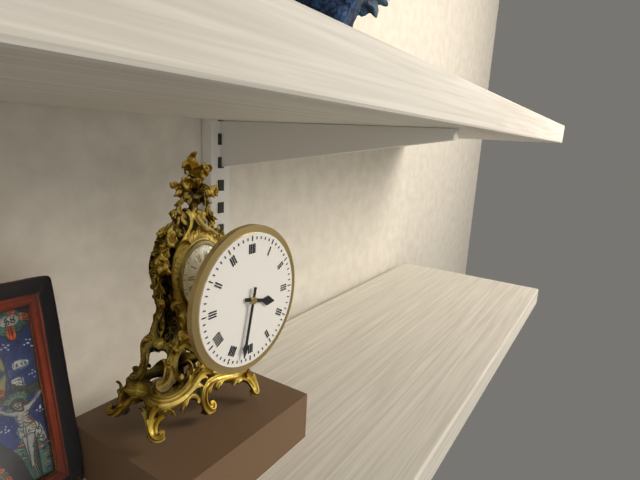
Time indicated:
3h32
